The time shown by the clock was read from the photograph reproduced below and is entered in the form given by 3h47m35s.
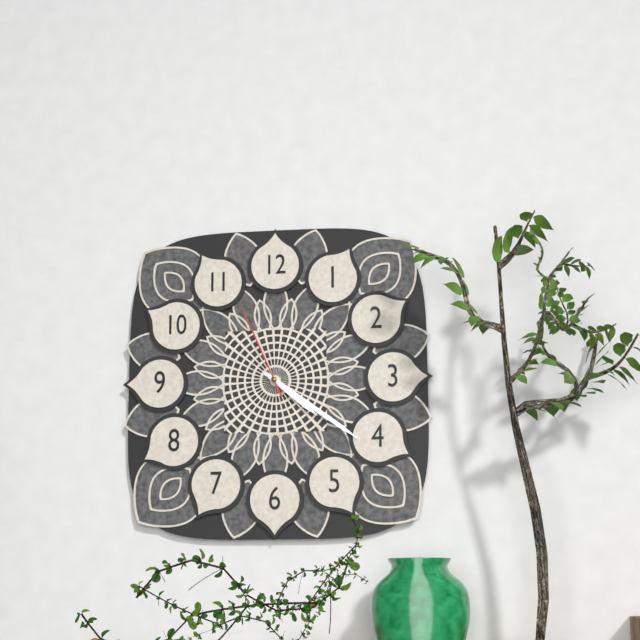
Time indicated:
4h21m56s
